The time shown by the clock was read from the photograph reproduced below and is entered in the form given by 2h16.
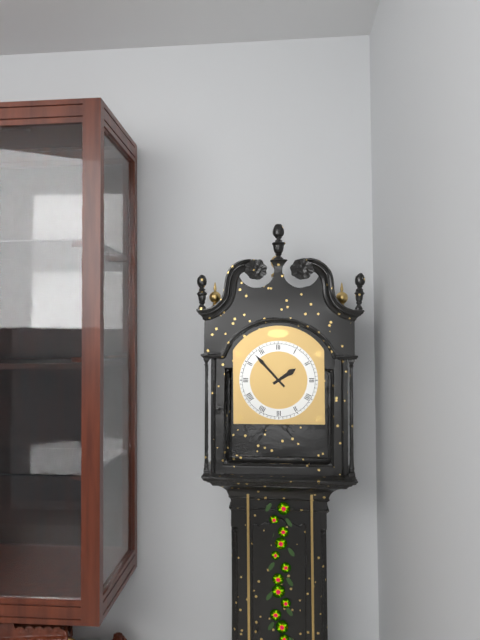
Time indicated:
1h53
